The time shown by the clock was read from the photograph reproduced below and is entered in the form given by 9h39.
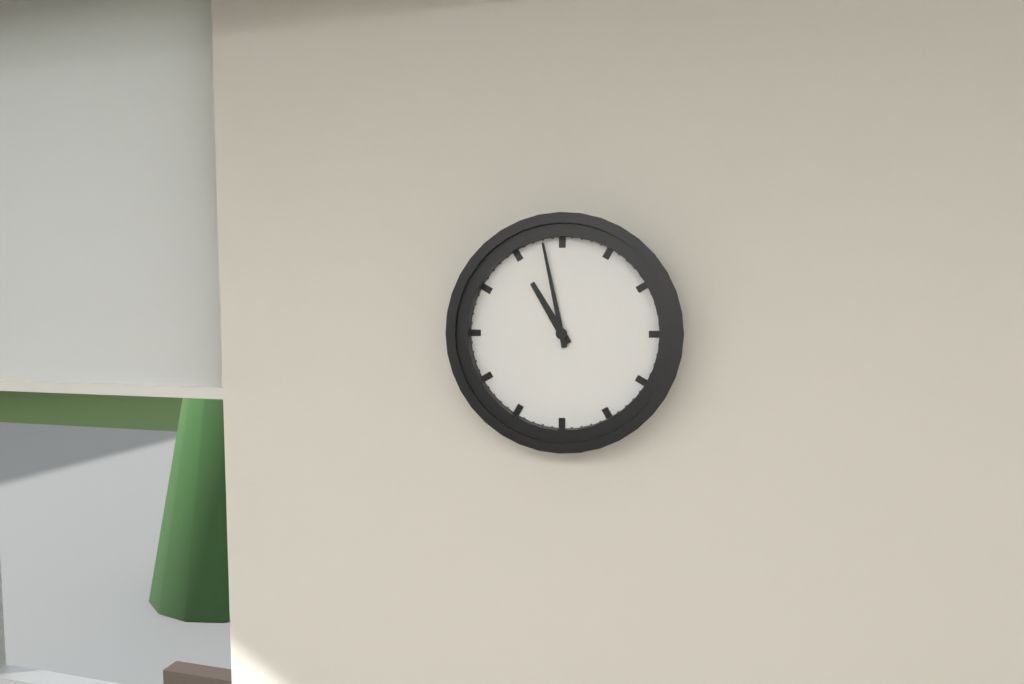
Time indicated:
10h58
